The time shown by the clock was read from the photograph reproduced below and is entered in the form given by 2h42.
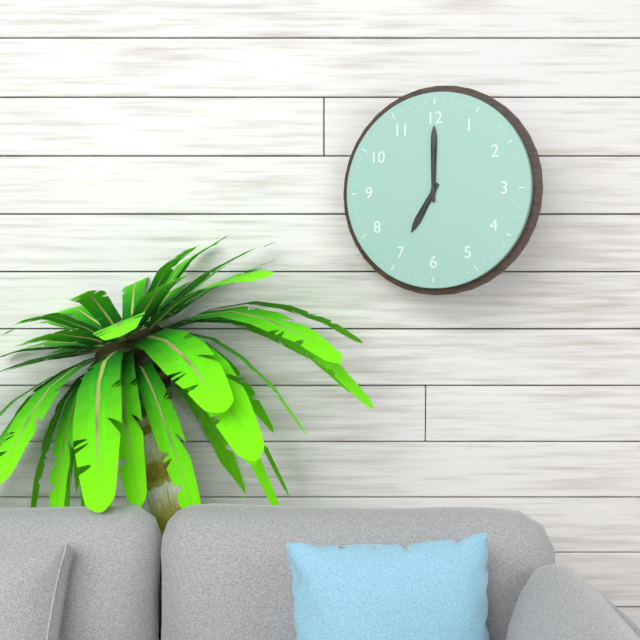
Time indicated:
7h00
